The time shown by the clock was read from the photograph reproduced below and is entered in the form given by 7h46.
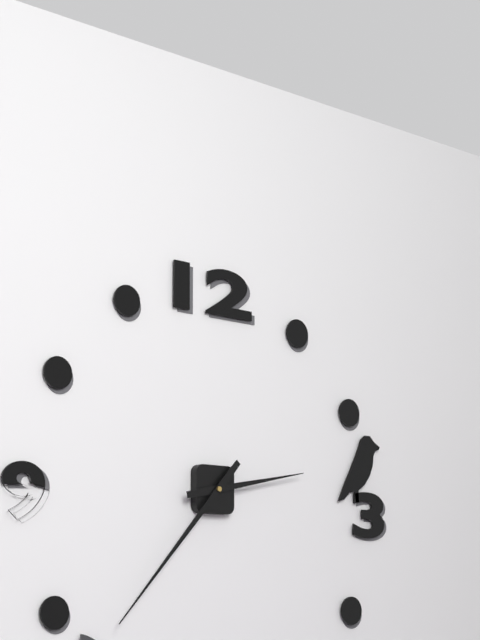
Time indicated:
2h37
